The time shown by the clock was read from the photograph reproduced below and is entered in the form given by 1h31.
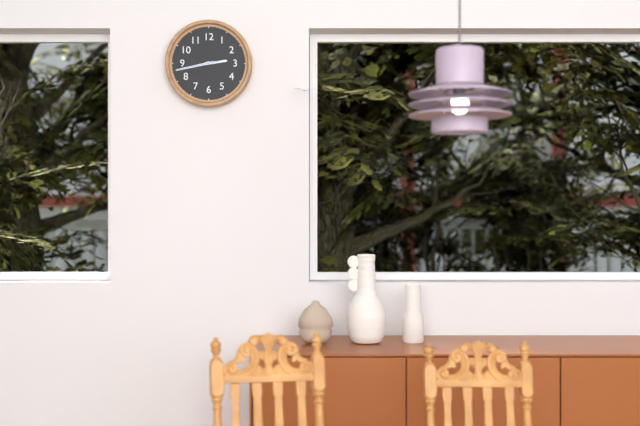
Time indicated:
2h43
